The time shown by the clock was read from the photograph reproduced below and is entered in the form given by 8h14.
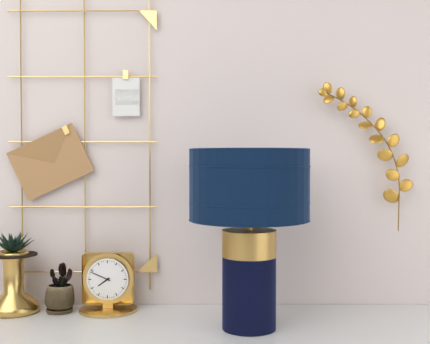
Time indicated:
7h49
